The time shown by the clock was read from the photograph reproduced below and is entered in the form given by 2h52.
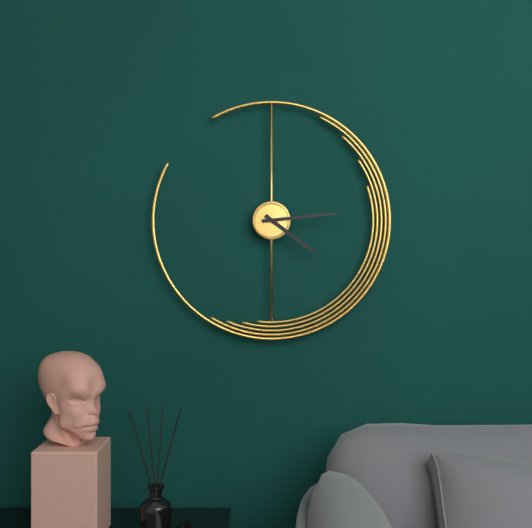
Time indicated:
4h14
